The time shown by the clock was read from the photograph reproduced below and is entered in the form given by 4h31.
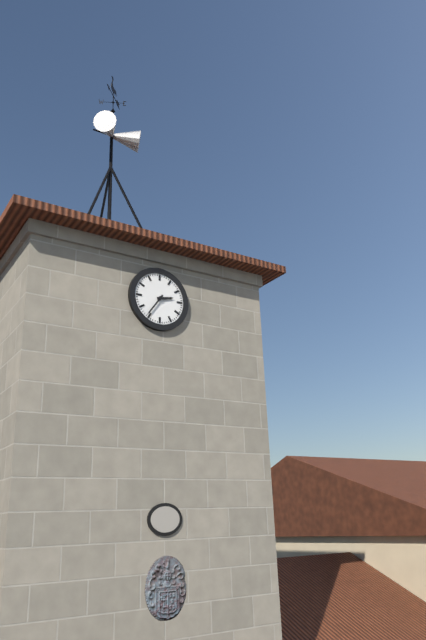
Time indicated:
2h36
